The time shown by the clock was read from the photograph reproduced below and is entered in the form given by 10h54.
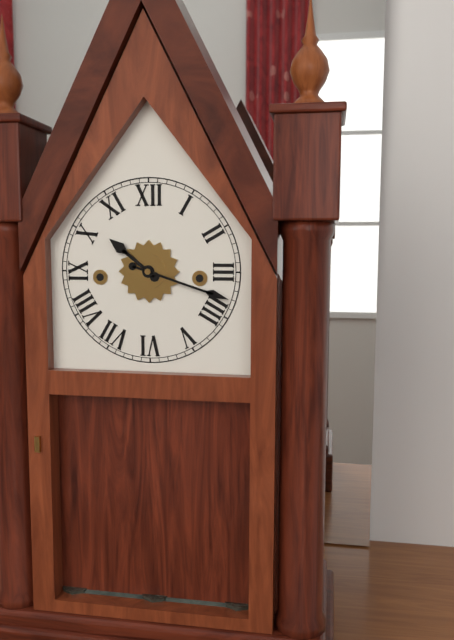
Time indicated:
10h18
